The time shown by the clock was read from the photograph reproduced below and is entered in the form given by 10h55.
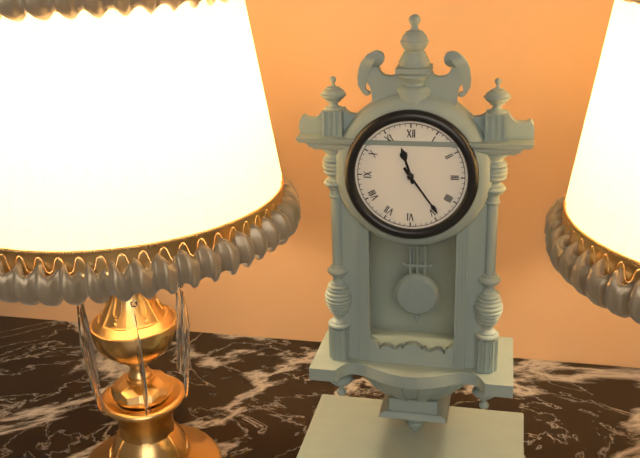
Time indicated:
11h24
